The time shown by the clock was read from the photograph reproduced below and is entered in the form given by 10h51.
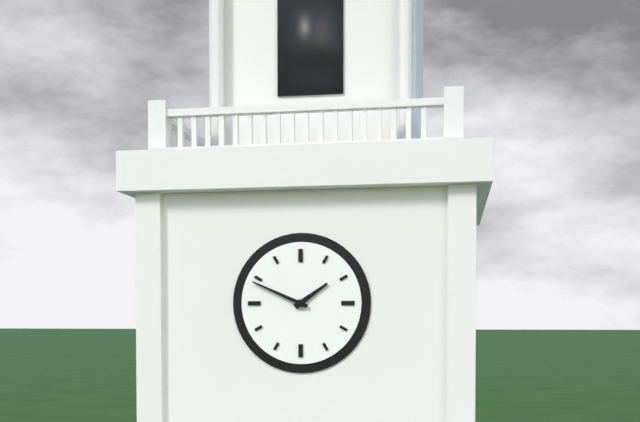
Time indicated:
1h49
